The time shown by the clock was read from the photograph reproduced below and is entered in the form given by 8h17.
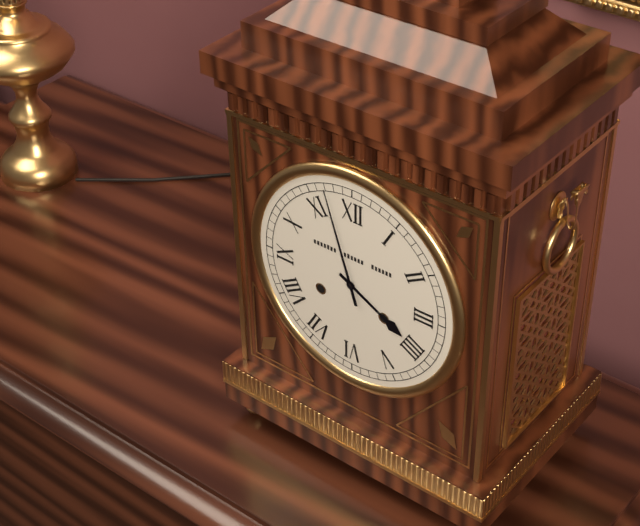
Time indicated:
3h57
